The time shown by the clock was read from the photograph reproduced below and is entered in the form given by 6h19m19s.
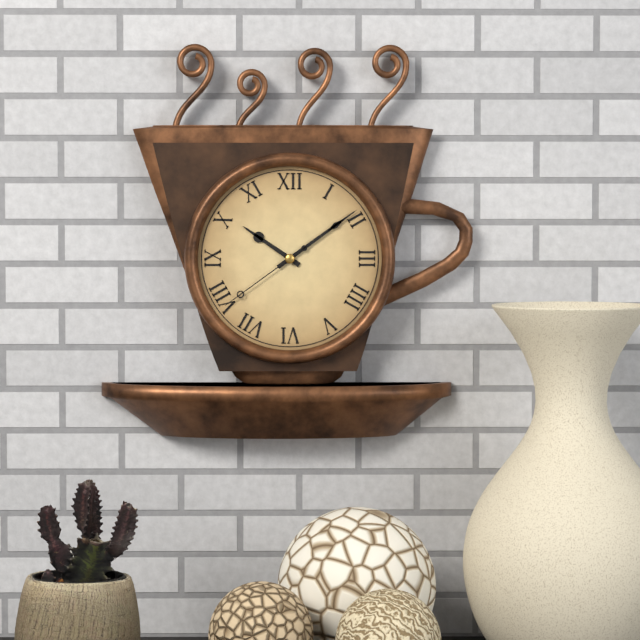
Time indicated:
10h09m39s
